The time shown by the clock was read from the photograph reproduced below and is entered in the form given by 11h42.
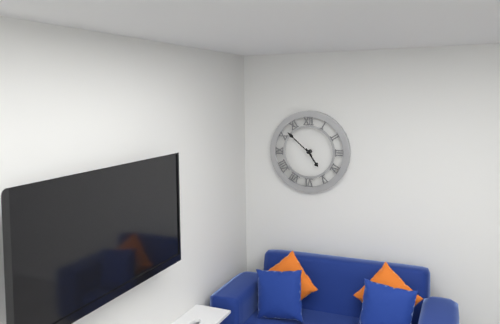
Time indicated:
4h52
